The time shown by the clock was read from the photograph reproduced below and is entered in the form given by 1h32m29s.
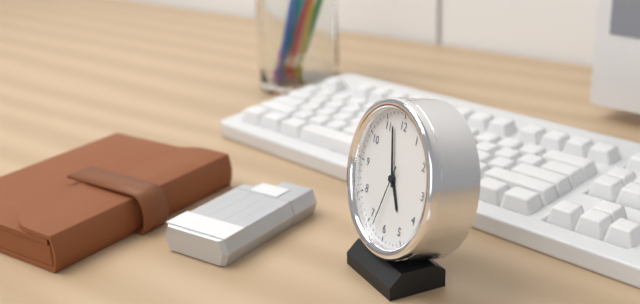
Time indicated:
4h57m33s
